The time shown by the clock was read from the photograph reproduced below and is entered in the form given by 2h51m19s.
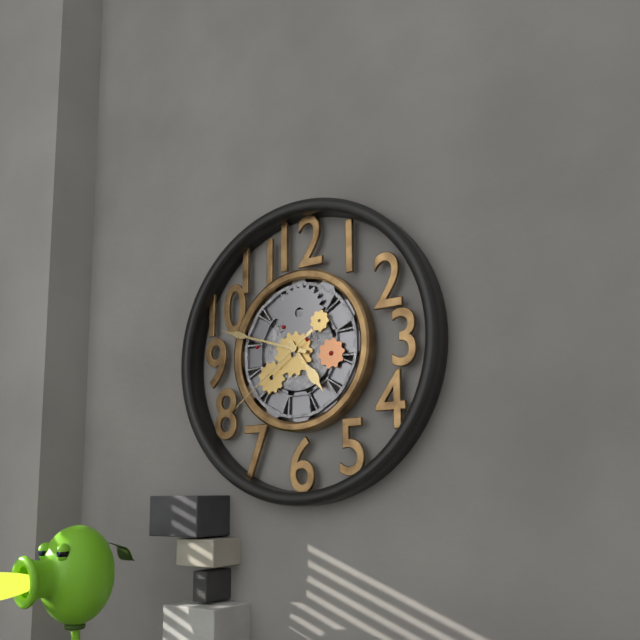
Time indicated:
4h48m39s
